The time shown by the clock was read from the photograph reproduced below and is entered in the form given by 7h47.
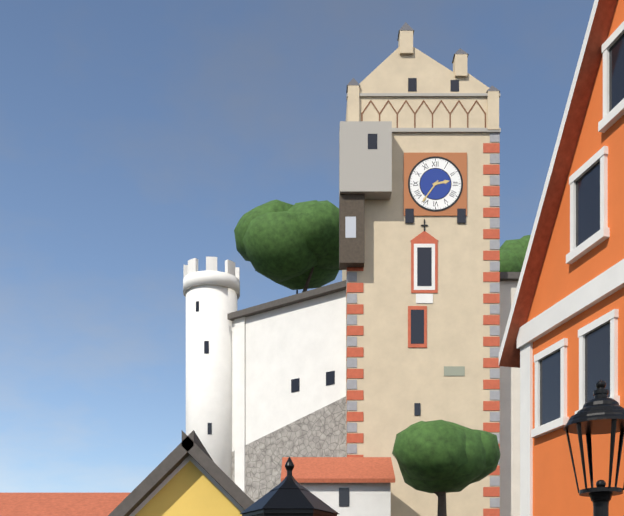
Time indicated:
2h36
